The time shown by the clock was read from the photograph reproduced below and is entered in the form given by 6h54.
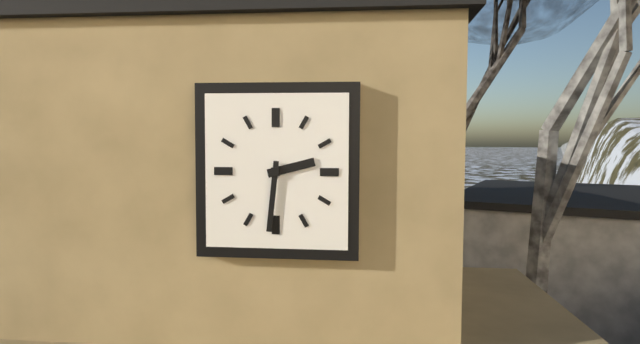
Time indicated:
2h31
